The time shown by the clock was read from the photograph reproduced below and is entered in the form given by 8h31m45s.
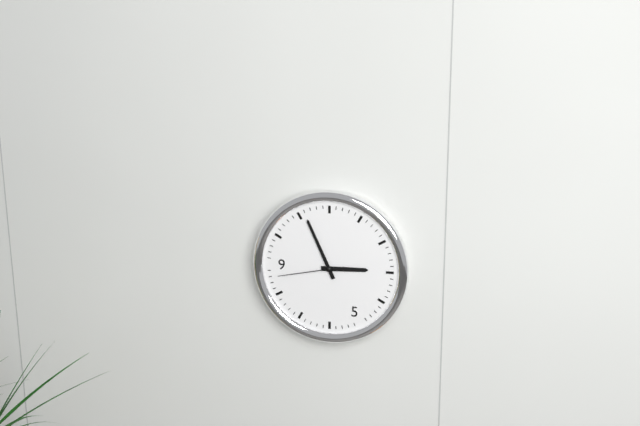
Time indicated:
2h56m43s
